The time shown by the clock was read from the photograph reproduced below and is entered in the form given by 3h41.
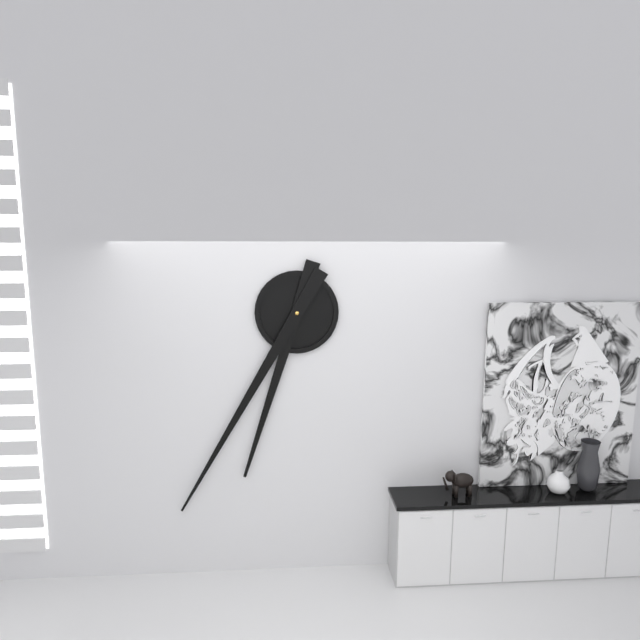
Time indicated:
6h35
